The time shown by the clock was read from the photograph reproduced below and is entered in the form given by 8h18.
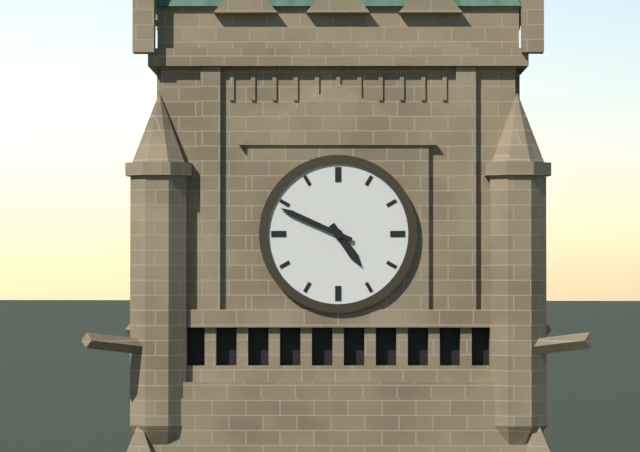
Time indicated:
4h49
